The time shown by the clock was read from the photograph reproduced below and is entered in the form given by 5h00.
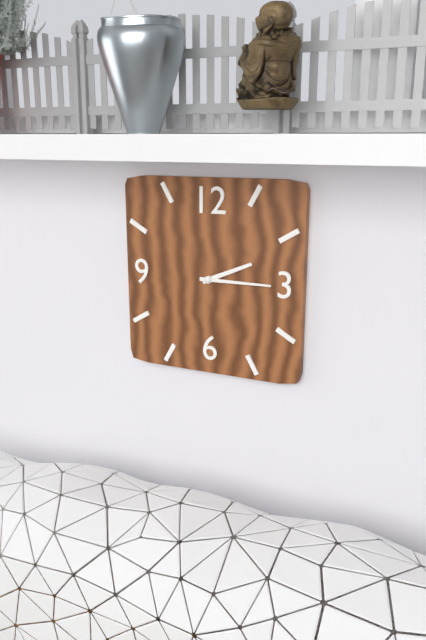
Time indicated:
2h15
